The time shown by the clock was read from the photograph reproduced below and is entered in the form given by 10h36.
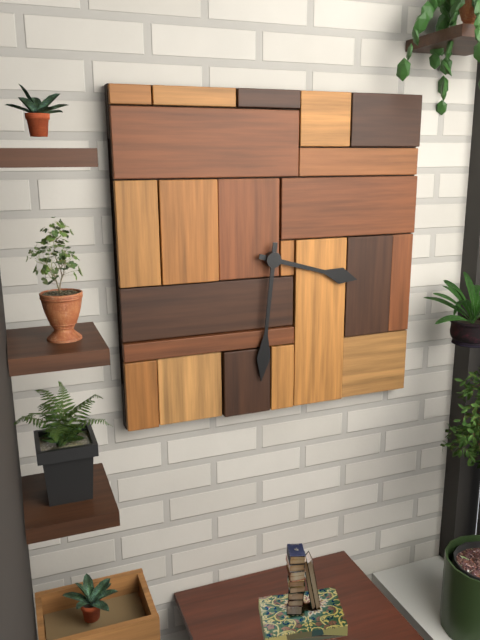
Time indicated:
3h31
